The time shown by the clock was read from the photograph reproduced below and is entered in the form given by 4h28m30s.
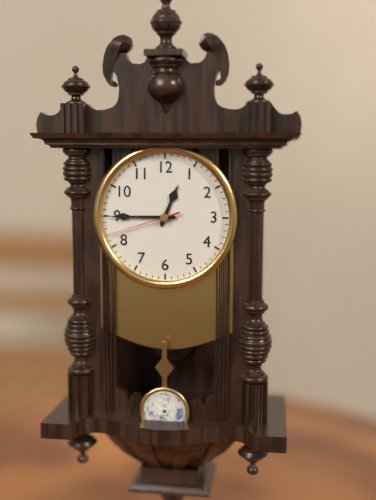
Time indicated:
12h45m42s
